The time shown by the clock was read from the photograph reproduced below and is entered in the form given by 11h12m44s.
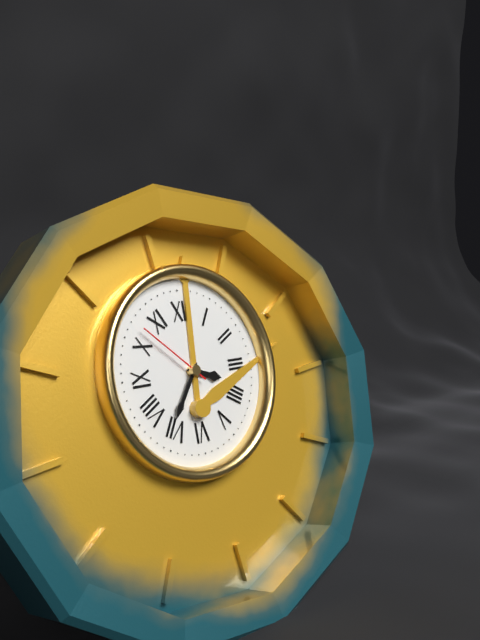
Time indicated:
3h36m52s
